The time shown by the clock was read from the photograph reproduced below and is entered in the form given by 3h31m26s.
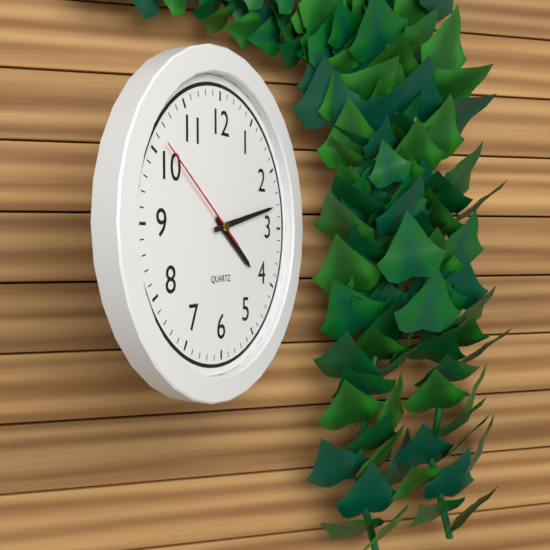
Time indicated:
4h13m51s
